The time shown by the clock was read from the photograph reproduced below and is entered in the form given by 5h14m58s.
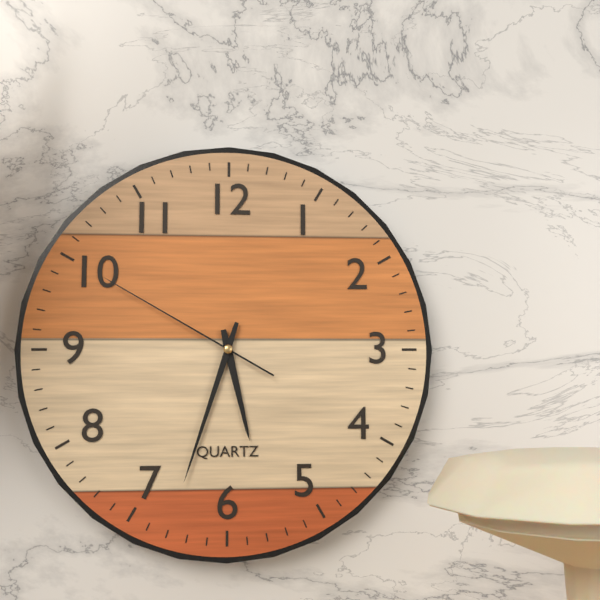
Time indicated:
5h33m50s
